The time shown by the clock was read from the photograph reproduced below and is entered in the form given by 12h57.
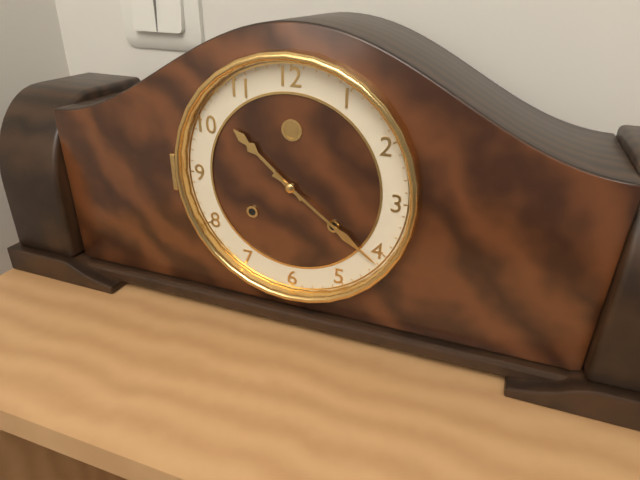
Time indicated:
10h21
